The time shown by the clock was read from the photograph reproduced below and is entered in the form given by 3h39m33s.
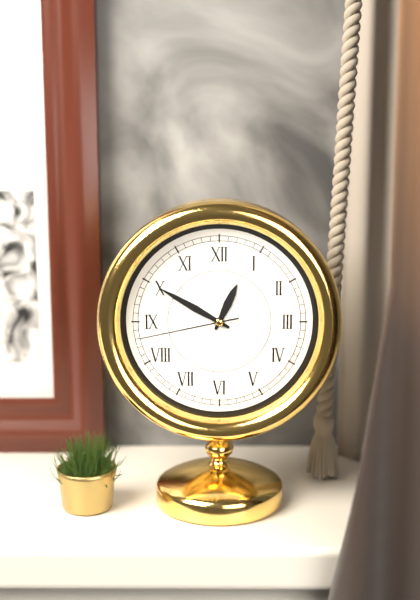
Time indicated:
12h50m43s
